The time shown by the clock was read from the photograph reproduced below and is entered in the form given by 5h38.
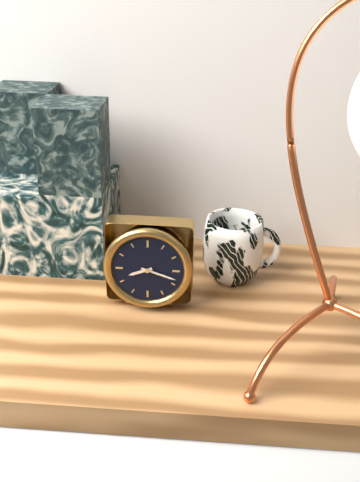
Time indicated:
8h18
